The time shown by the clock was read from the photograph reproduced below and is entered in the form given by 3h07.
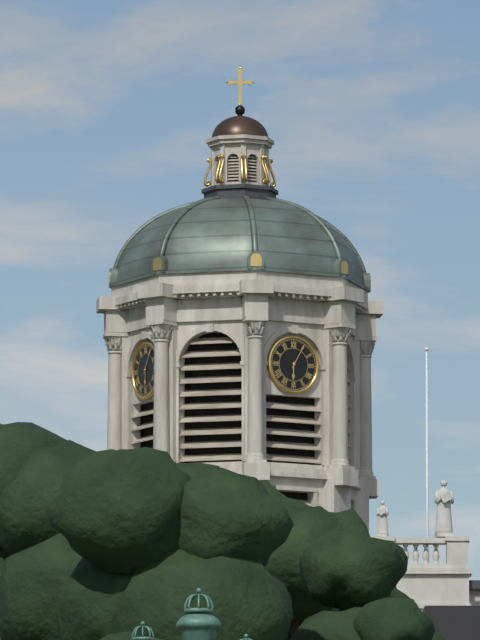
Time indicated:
6h05
